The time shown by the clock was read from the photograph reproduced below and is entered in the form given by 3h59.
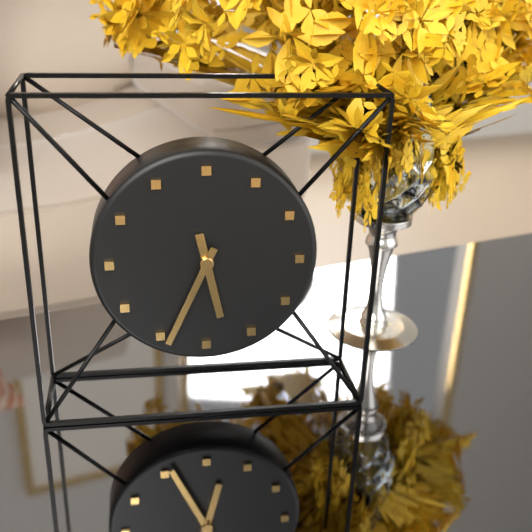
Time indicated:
5h34
